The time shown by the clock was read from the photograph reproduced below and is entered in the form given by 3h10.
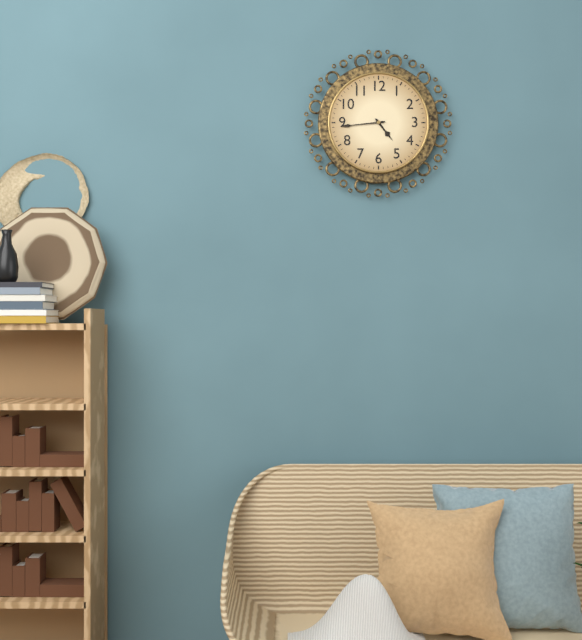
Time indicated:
4h44
